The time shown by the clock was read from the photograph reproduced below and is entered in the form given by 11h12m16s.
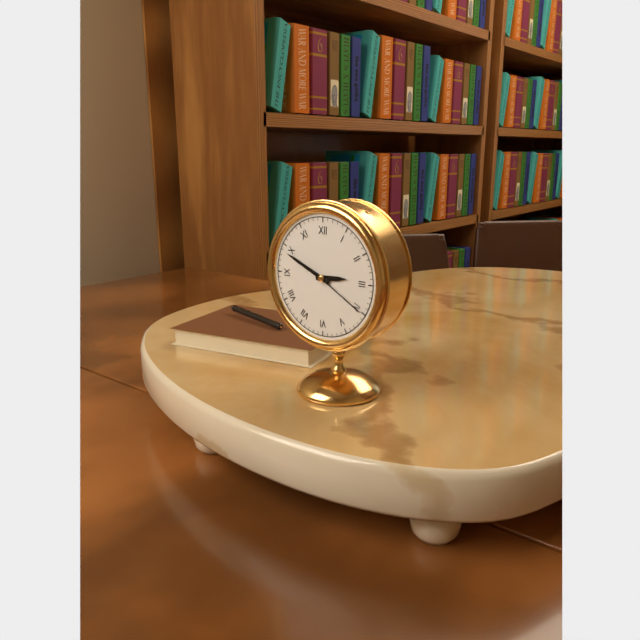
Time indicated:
2h49m20s
